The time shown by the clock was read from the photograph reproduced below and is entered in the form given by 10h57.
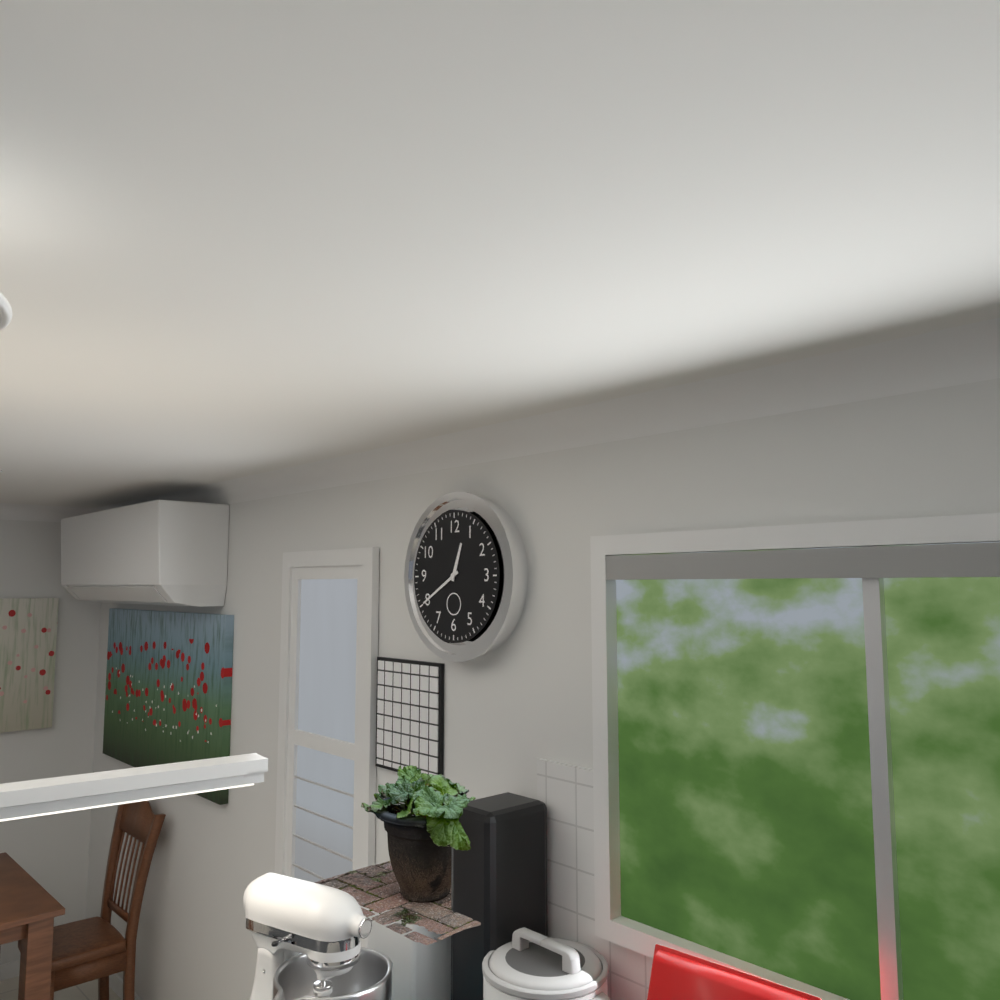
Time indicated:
12h40
